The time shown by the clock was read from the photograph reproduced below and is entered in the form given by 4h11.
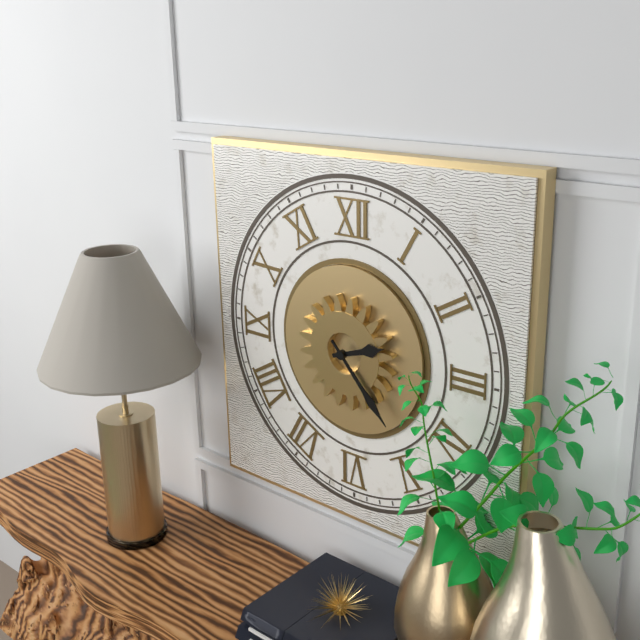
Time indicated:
2h23
